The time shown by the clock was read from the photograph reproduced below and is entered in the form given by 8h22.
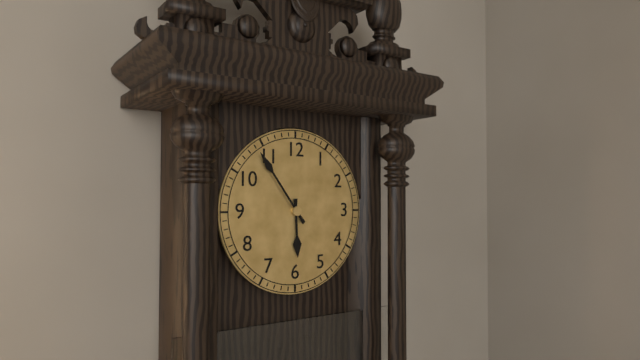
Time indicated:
5h54
